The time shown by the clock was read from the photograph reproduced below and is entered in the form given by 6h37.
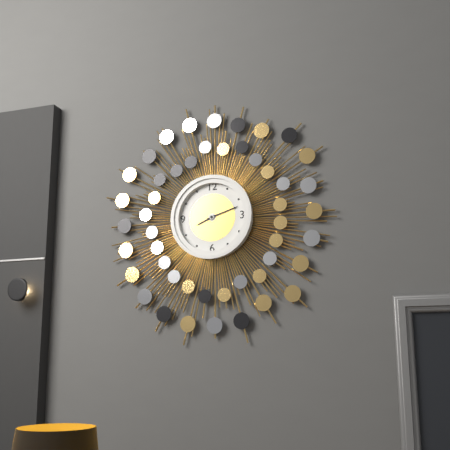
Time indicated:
8h12
